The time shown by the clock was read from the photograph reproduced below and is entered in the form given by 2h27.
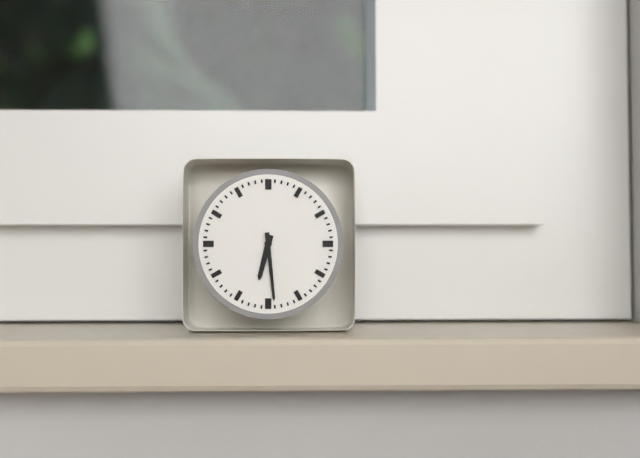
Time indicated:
6h29
